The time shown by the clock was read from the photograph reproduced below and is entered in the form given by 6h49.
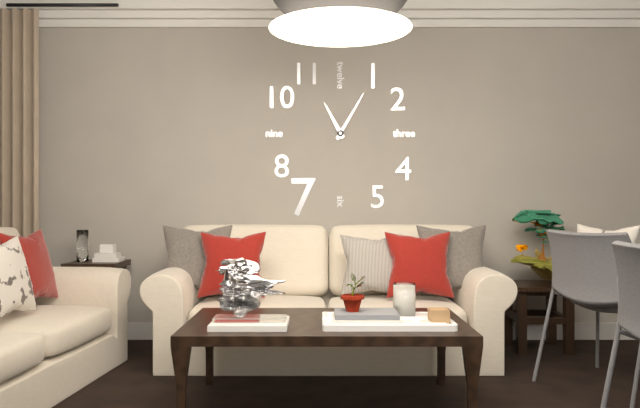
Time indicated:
11h05
